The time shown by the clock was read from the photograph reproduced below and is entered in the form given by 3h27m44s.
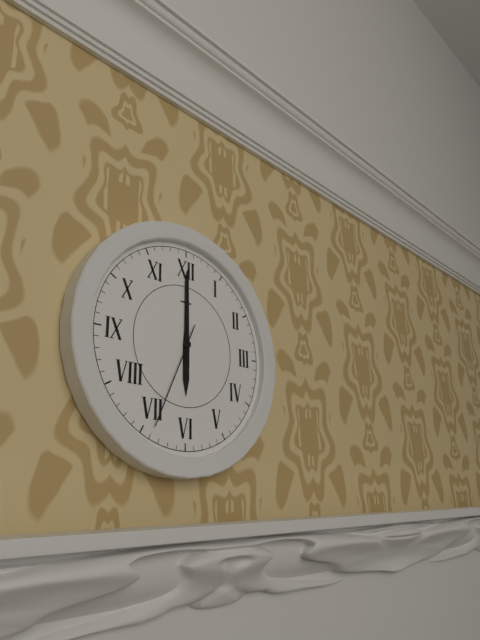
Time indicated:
6h00m34s
